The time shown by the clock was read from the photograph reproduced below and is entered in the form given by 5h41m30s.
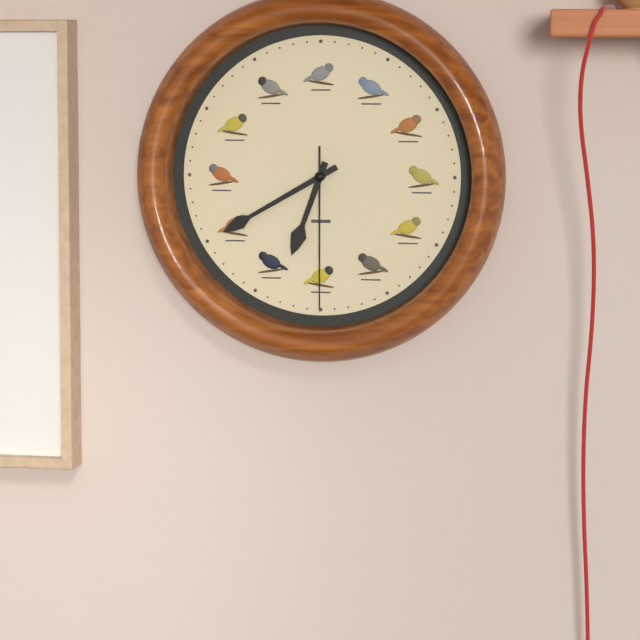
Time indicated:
6h40m30s
